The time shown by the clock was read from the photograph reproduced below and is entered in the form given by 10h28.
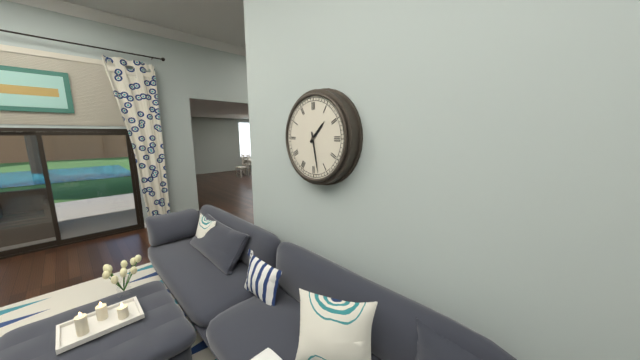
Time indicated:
1h28
